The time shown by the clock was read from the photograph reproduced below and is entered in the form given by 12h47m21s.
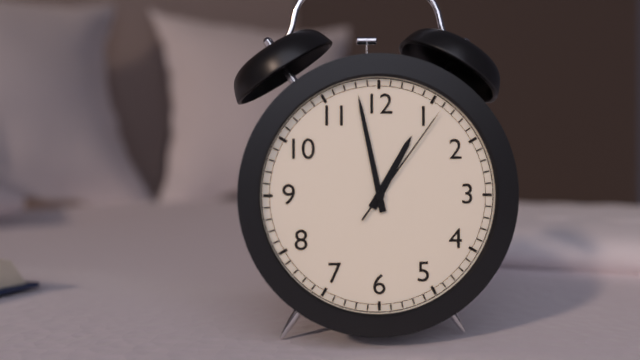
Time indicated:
12h58m06s
